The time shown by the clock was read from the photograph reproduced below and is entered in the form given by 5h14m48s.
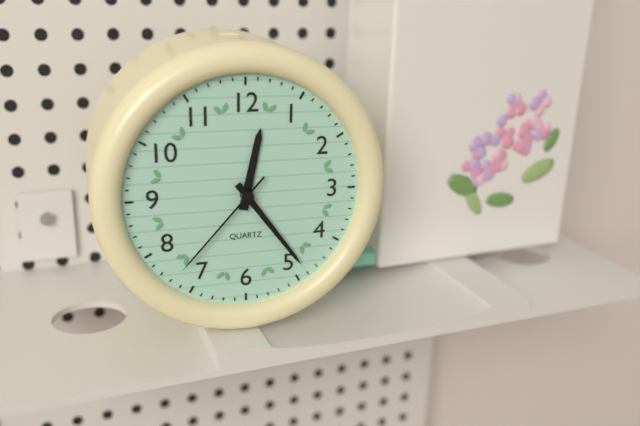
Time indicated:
12h24m37s
